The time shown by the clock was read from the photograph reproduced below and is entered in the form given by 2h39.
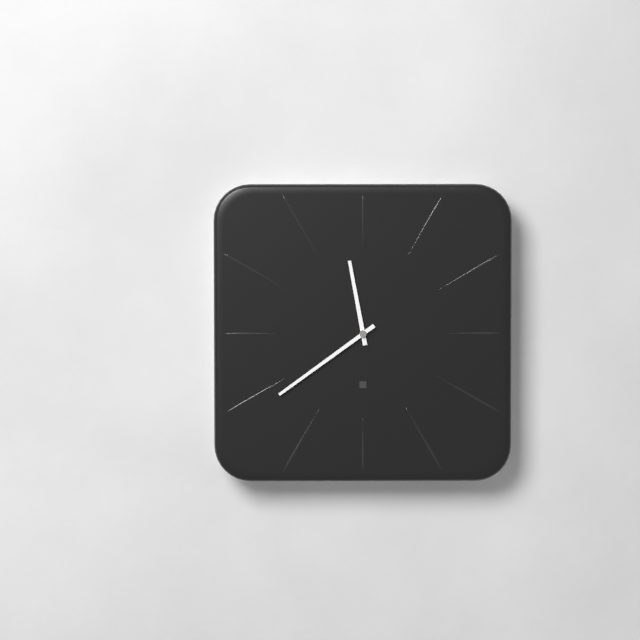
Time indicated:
11h39
